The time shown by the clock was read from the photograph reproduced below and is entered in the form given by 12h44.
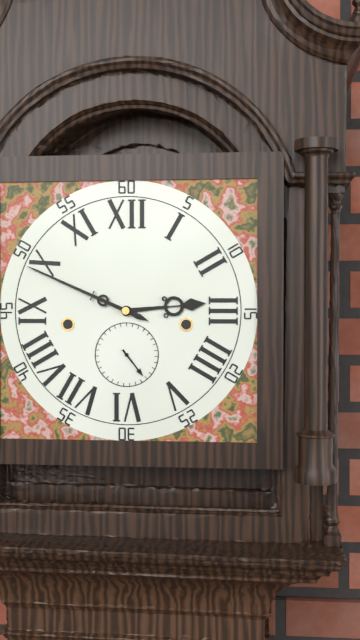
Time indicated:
2h49
